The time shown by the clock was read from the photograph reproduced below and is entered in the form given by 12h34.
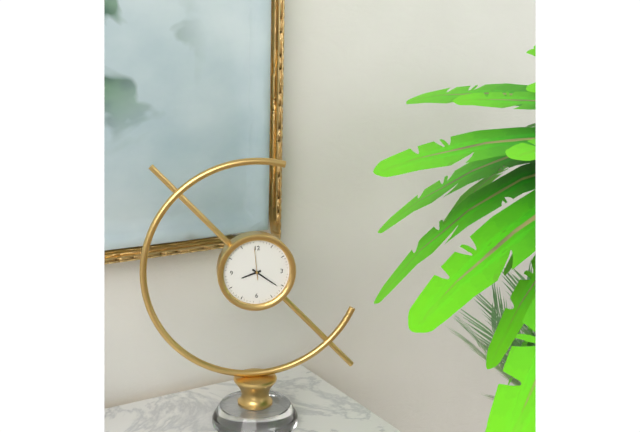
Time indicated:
8h21
